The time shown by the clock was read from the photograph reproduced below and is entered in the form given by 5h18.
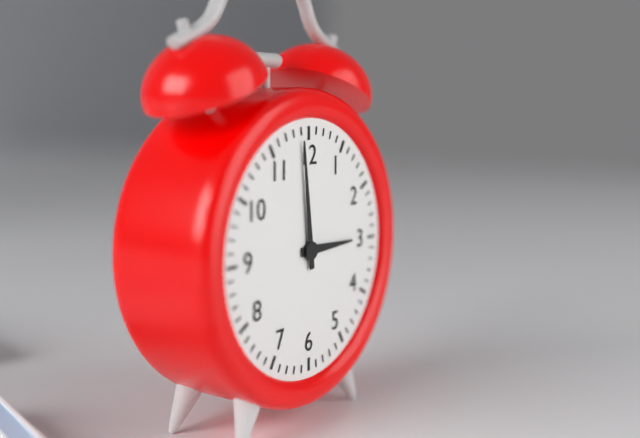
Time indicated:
2h59
